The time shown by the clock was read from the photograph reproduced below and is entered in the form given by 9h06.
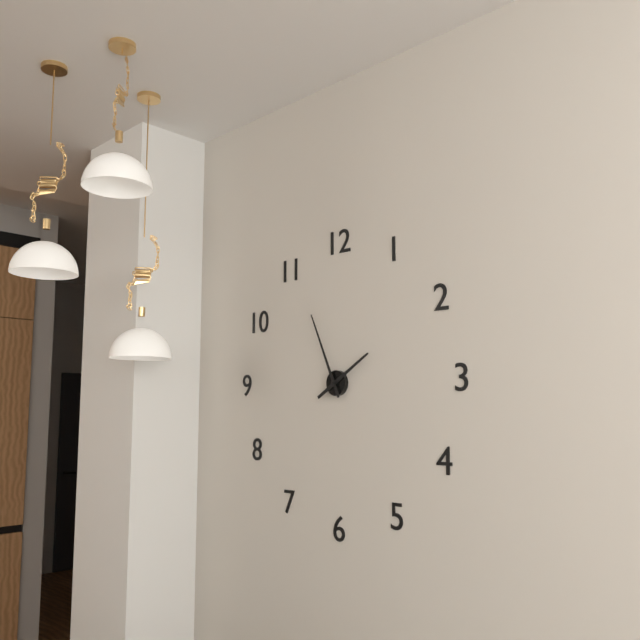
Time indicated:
1h56
